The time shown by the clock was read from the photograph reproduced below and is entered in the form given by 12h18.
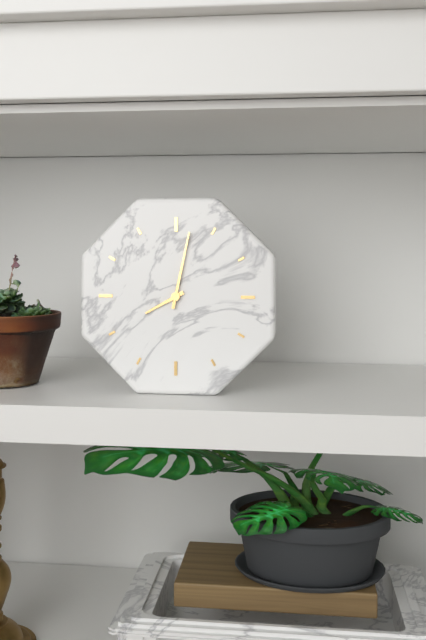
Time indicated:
8h02
